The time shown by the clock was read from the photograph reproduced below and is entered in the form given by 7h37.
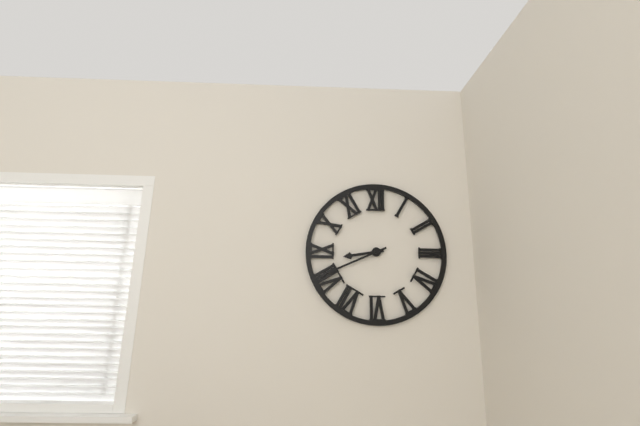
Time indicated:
8h41
